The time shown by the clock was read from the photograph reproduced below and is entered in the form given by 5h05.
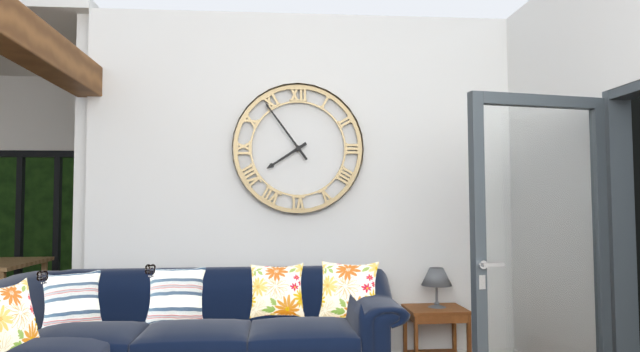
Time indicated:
7h54
